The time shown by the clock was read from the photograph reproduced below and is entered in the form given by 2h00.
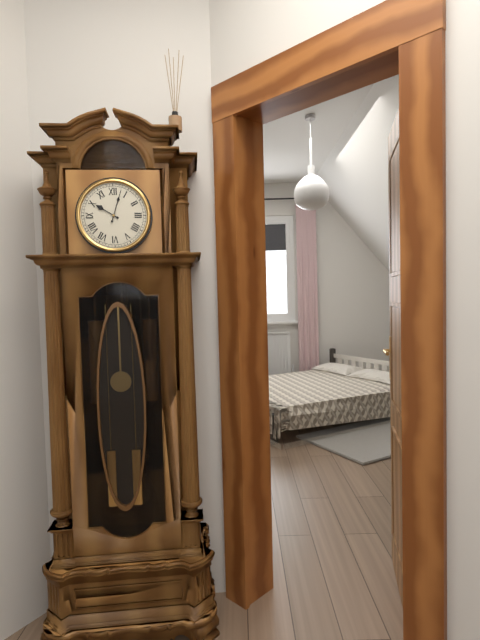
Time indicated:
10h03
